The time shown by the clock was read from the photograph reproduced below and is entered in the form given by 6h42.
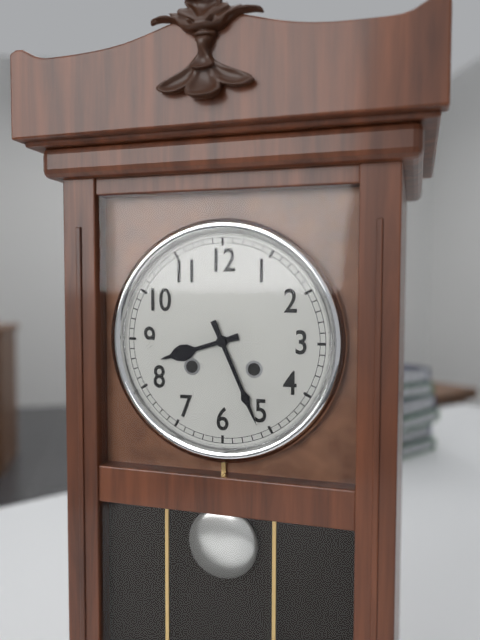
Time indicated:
8h26
